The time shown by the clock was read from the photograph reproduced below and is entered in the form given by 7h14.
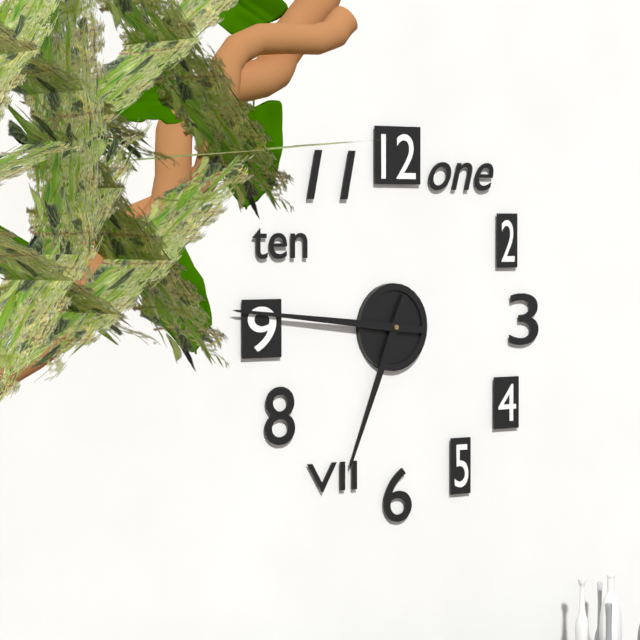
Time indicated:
6h46
